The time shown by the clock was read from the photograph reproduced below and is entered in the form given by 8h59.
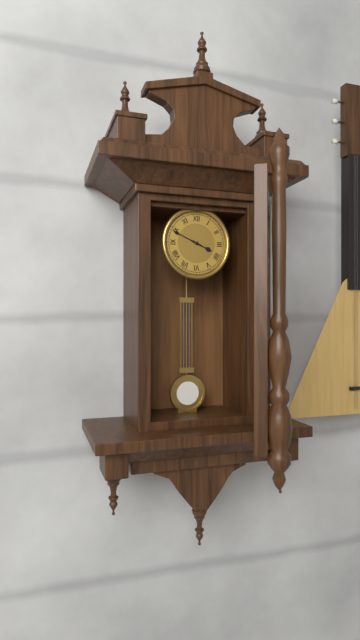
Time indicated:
3h49
